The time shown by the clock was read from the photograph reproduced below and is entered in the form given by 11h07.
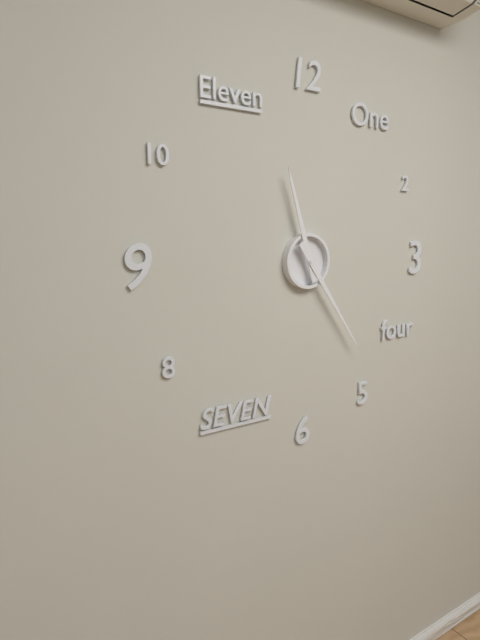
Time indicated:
11h24
